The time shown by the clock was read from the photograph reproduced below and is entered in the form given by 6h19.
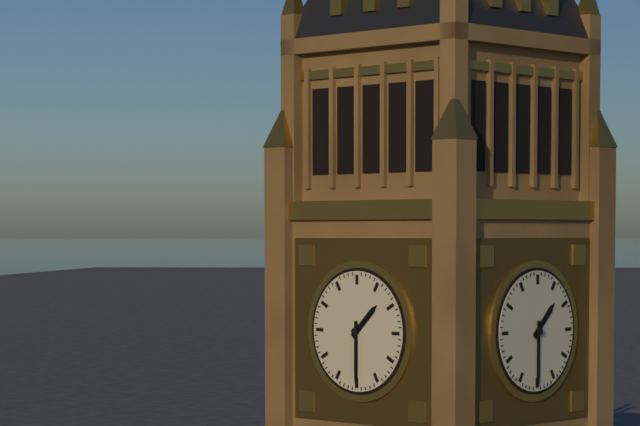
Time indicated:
1h30
